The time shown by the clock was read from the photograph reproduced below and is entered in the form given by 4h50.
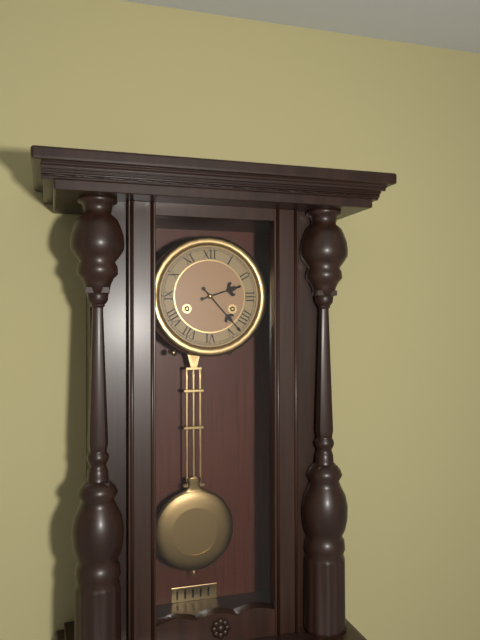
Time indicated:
2h23
